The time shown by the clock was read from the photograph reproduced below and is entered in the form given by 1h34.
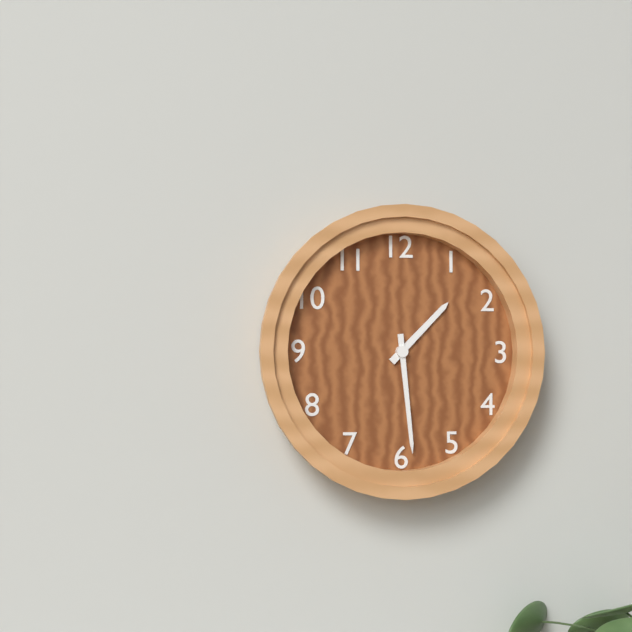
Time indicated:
1h29
